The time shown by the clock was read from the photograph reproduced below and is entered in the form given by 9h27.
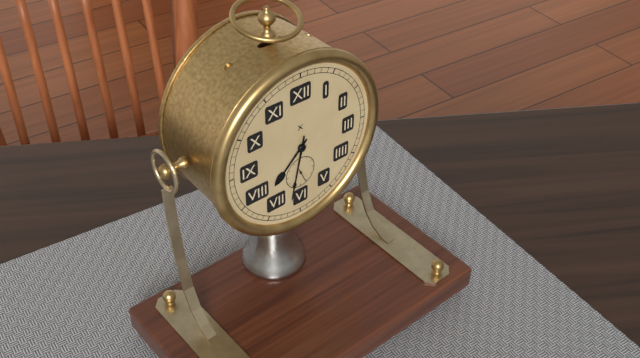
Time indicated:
7h32
